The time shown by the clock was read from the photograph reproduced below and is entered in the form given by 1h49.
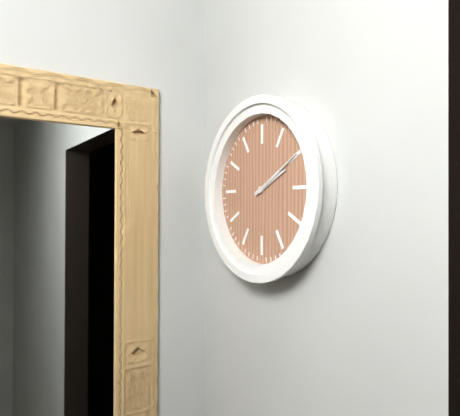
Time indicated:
2h10
